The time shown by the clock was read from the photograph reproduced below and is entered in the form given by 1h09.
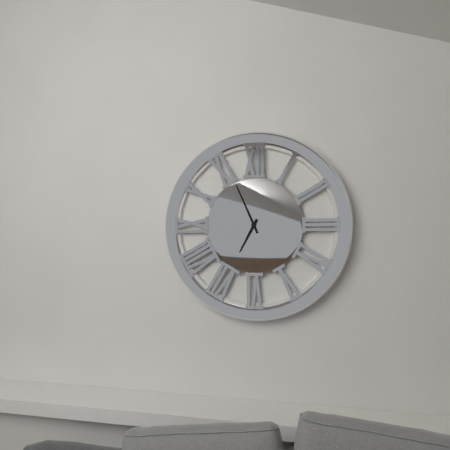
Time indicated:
6h56
